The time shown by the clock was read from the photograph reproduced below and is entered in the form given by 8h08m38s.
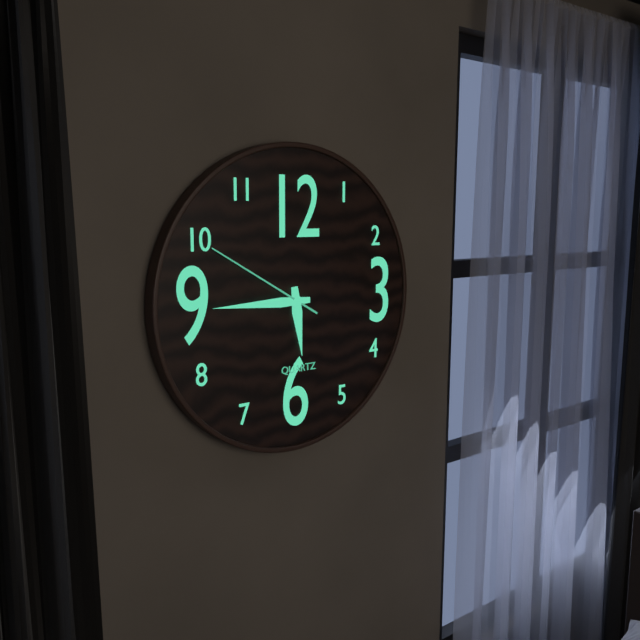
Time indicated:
5h45m50s
